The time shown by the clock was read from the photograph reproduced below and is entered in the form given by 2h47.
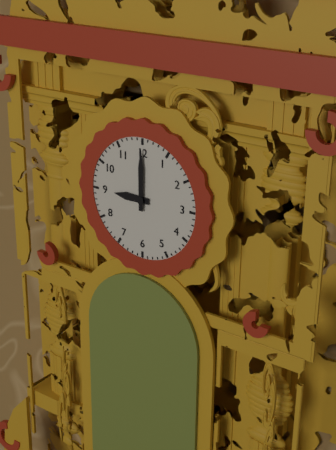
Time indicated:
9h00
